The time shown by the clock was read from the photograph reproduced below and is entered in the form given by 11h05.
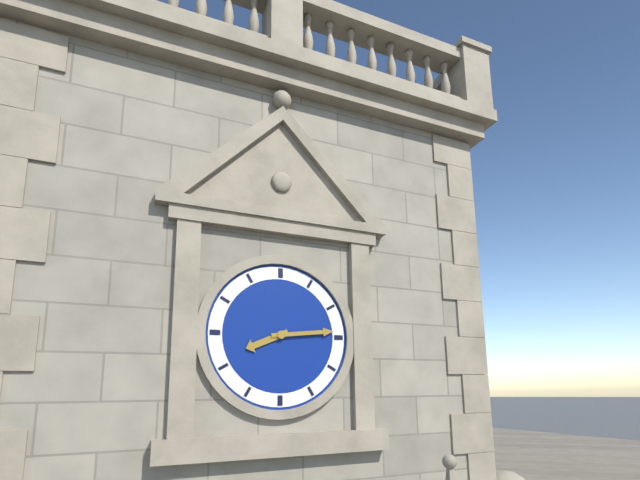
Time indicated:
8h14
